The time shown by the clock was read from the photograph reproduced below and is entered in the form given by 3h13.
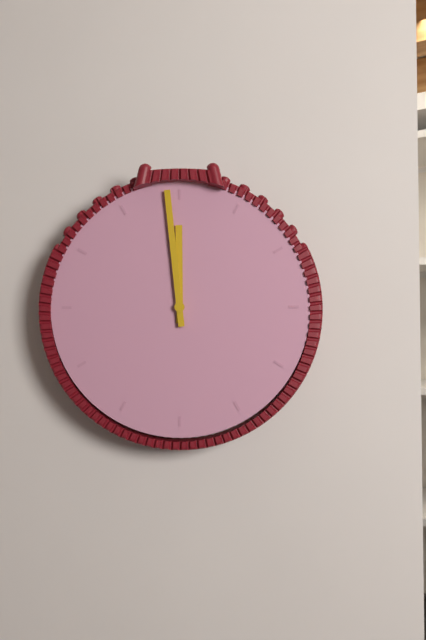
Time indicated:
11h59
